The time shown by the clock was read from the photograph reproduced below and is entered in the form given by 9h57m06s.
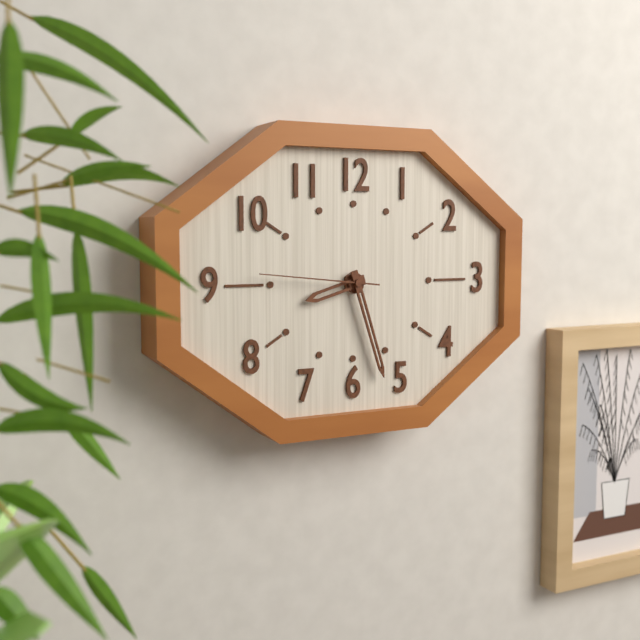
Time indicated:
8h27m46s
